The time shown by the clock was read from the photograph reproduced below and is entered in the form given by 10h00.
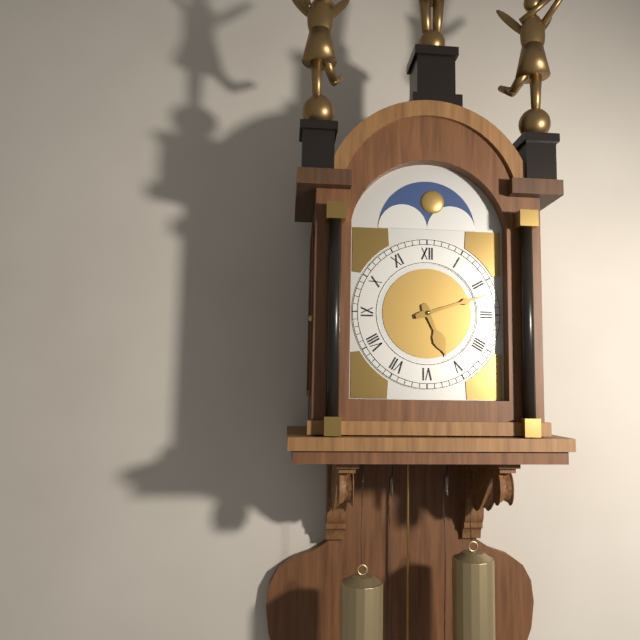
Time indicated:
5h12
